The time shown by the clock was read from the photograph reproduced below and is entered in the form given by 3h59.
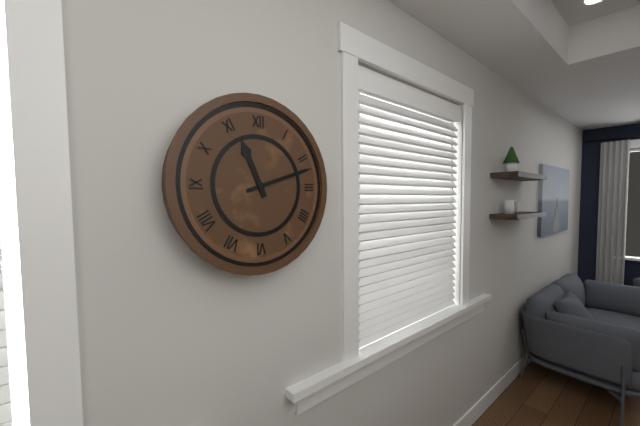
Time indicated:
11h12
